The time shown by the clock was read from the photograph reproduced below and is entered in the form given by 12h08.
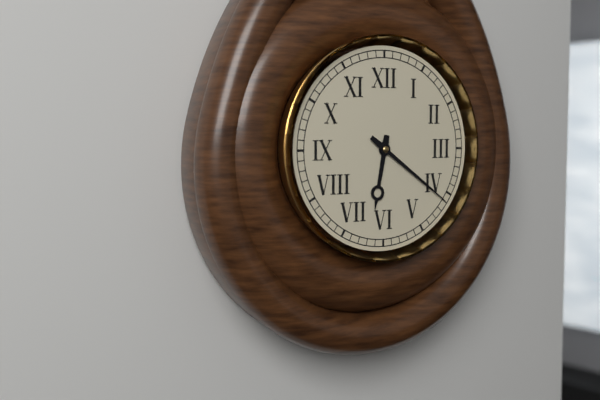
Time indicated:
6h21
